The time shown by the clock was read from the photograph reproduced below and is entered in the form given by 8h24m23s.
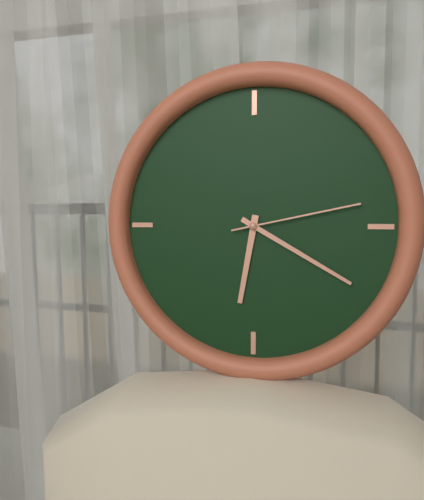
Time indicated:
6h20m13s
